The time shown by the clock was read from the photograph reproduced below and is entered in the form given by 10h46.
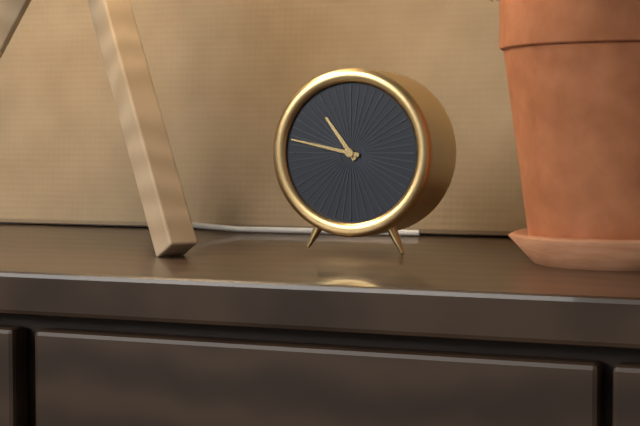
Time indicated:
10h47
